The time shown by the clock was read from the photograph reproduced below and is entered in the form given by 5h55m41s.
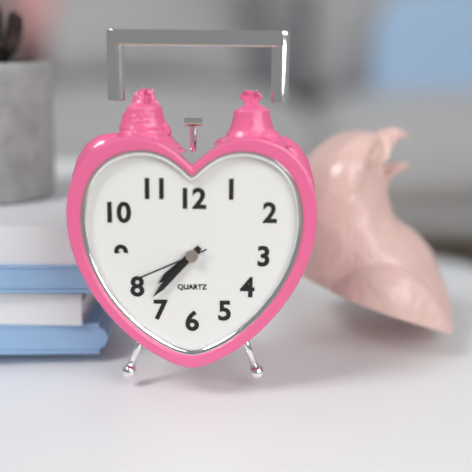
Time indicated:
7h37m41s
